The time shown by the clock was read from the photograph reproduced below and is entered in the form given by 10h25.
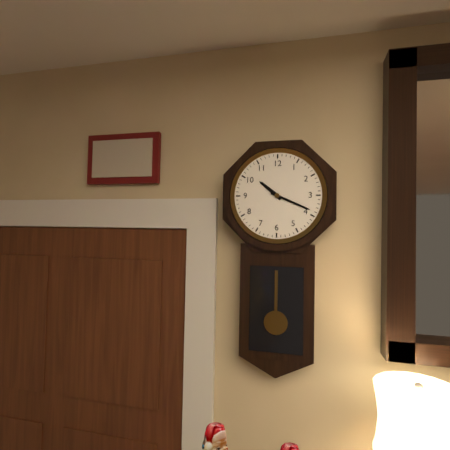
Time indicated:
10h19
